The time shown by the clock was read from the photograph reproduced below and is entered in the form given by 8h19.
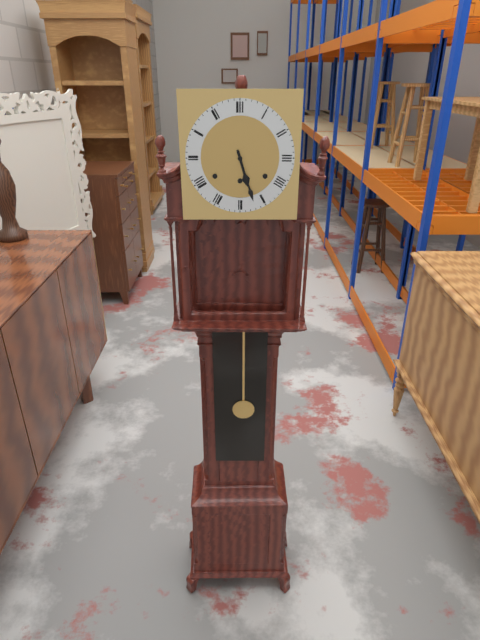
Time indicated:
5h27
